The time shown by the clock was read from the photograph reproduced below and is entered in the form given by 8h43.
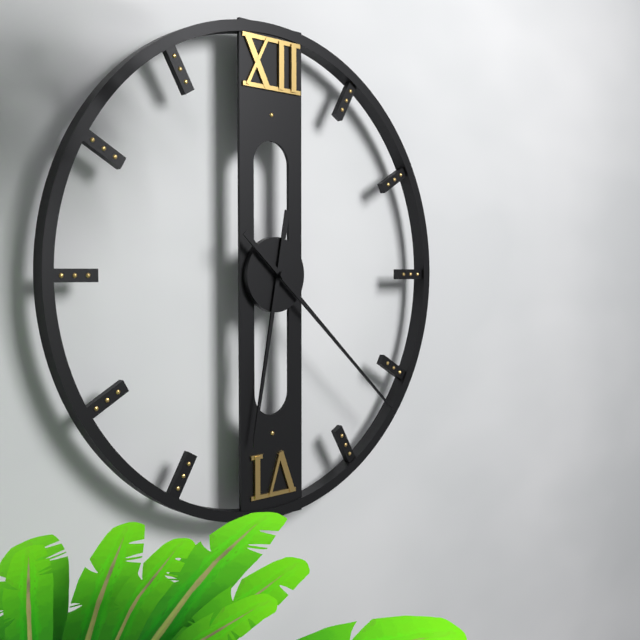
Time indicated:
6h22
